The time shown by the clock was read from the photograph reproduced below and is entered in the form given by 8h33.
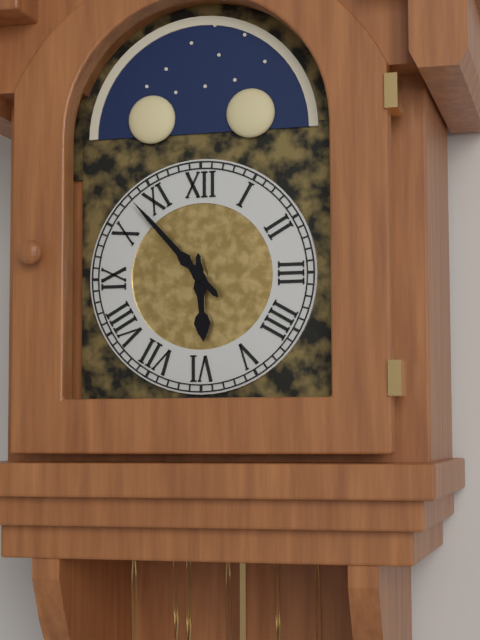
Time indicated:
5h53
